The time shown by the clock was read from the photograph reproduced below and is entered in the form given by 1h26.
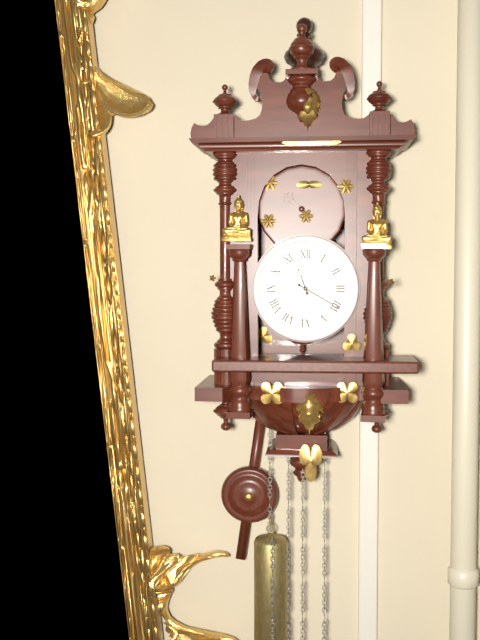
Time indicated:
11h20
